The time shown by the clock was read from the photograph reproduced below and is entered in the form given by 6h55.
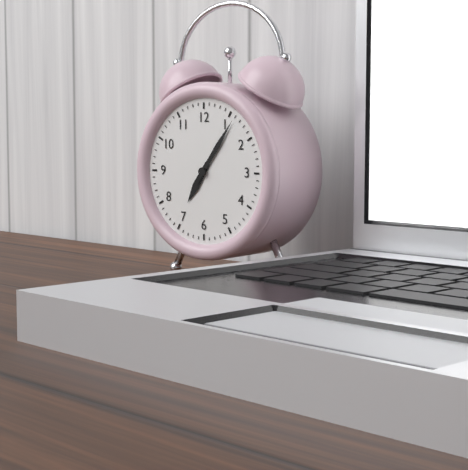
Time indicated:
7h06
